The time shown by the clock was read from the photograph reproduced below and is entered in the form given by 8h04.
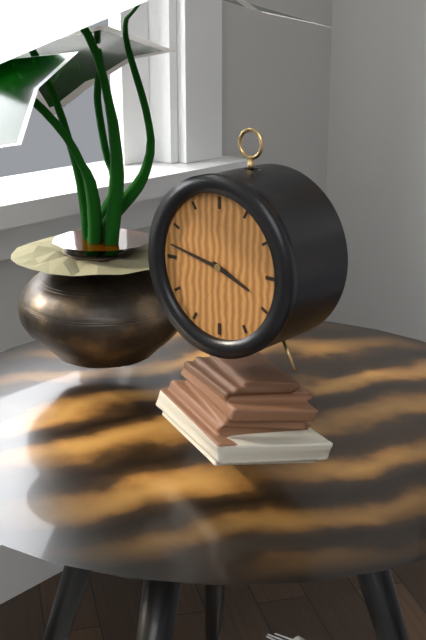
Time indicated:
3h47
